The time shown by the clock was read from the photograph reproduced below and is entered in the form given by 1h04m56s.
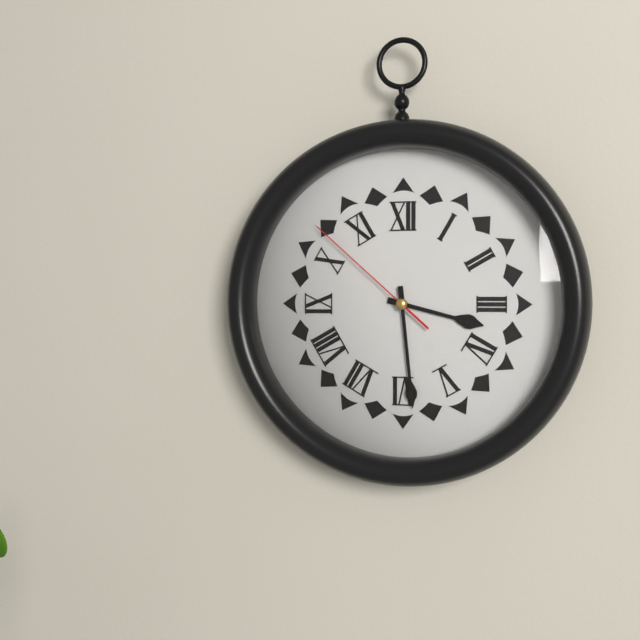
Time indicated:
3h29m52s
